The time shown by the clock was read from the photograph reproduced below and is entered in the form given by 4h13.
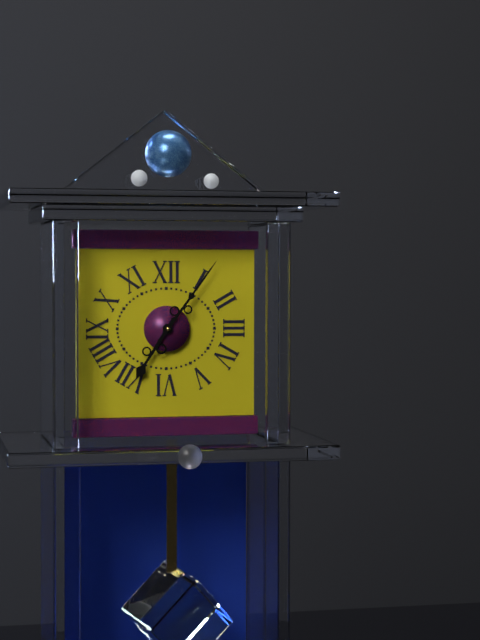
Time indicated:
7h06
